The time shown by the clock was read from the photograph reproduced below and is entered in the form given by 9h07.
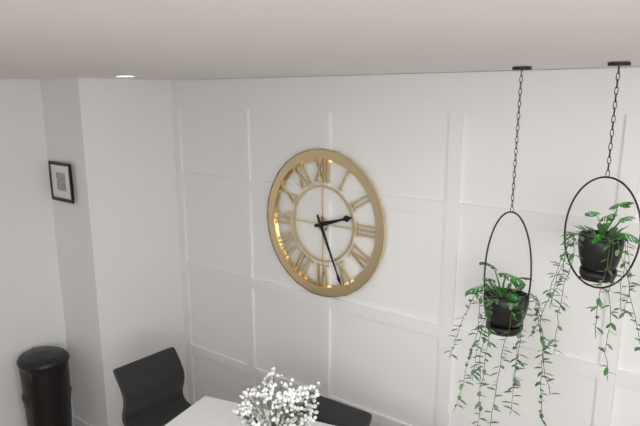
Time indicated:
2h26
